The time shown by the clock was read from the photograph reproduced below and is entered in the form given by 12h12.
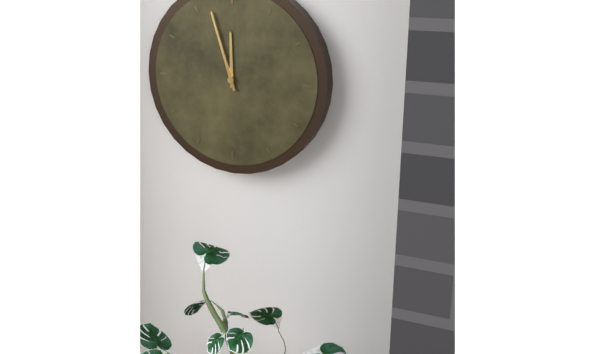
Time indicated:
11h57
